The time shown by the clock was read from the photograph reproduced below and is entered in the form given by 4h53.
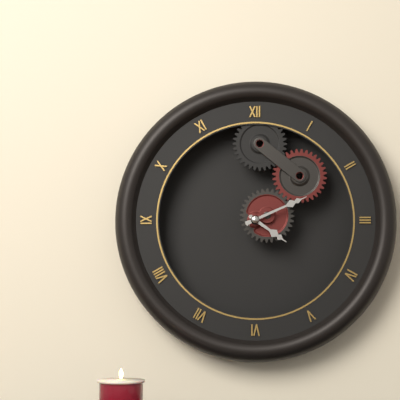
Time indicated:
4h11
